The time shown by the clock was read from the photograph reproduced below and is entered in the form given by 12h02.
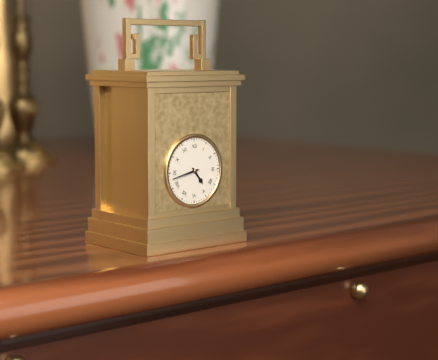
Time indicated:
4h43
